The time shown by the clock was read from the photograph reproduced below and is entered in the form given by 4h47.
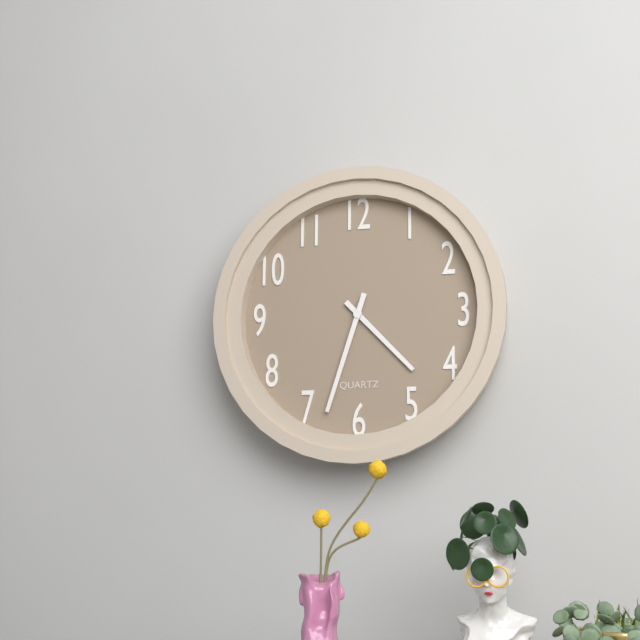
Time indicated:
4h33
